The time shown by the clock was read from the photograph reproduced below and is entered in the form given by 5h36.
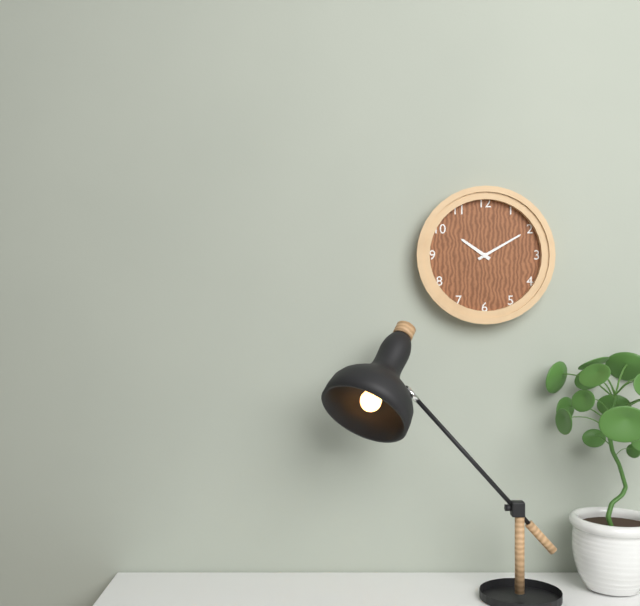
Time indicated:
10h10
